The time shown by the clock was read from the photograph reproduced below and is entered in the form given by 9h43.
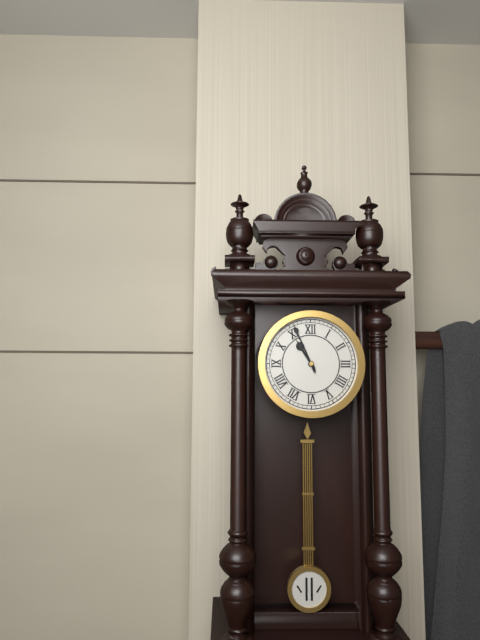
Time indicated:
10h56
